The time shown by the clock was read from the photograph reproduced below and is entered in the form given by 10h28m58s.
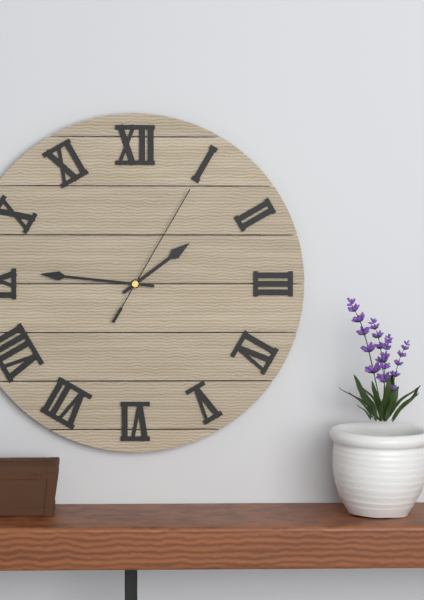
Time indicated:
1h46m05s
